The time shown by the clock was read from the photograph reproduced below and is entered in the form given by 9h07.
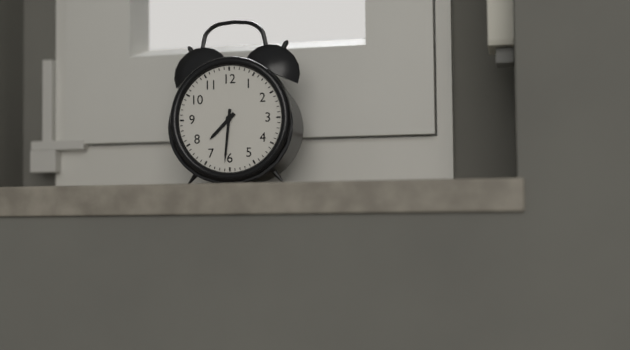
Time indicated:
7h31
